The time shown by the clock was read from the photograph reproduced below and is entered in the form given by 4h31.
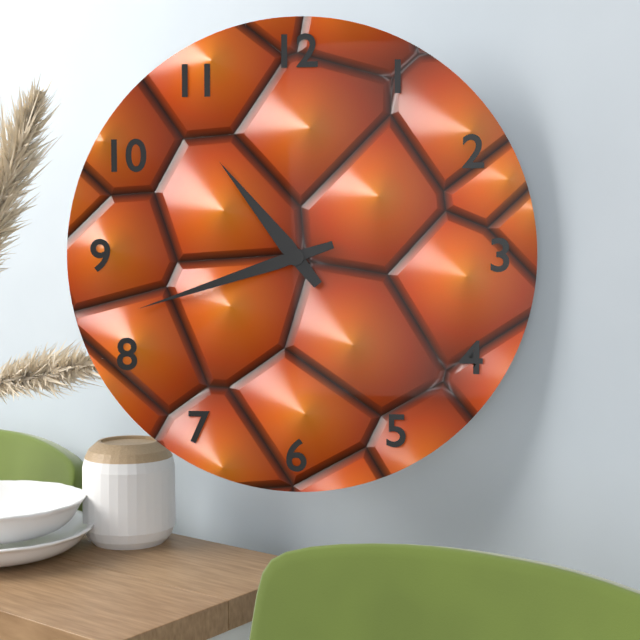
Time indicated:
10h42
